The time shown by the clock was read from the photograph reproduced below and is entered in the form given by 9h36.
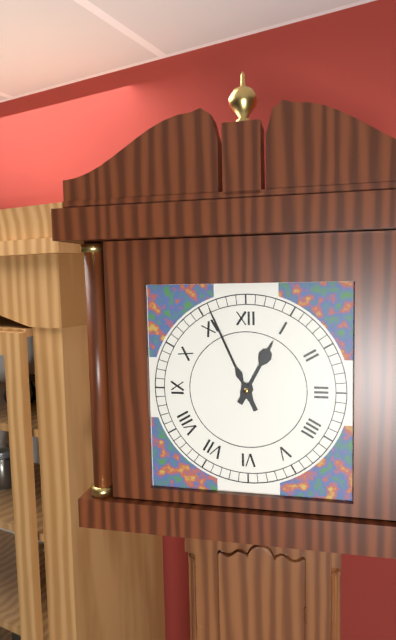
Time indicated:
12h56
